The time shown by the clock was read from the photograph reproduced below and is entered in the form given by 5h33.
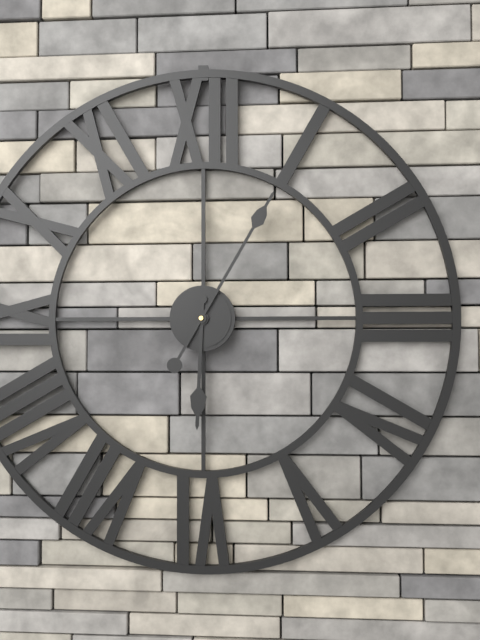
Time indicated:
6h05
